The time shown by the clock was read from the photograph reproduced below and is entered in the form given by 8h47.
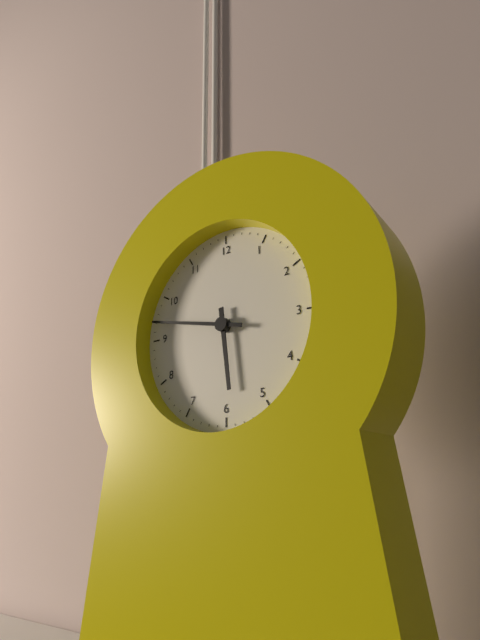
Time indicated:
5h47
